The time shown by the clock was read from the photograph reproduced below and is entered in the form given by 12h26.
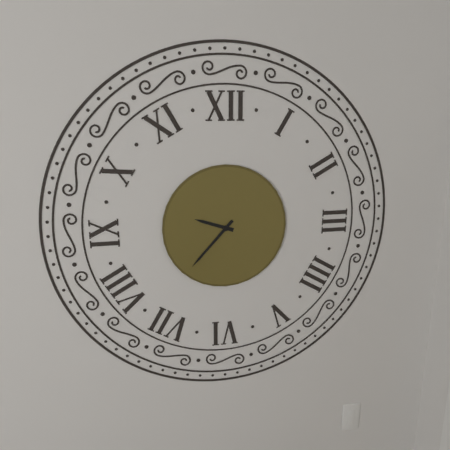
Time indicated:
9h37
